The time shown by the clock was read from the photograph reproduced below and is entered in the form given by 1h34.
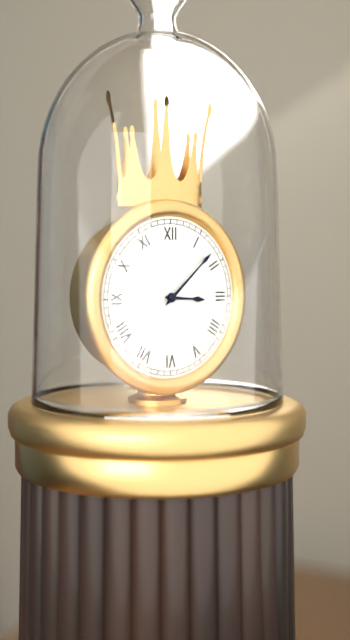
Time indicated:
3h08
